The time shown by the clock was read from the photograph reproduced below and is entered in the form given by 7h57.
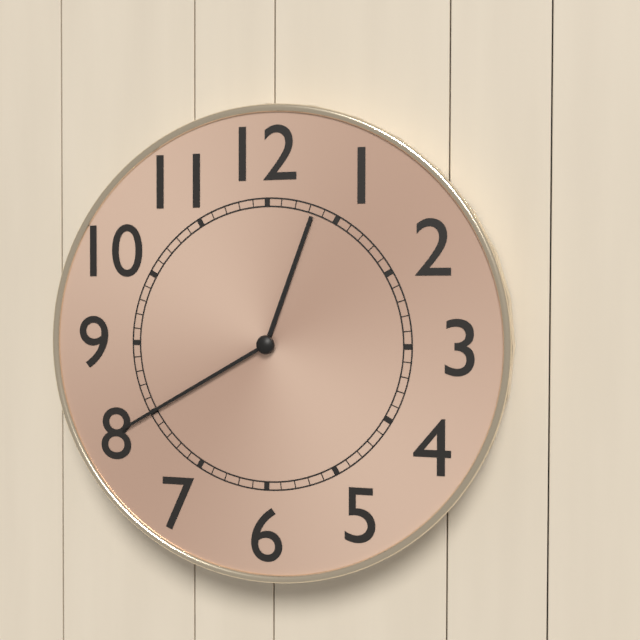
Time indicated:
12h40
